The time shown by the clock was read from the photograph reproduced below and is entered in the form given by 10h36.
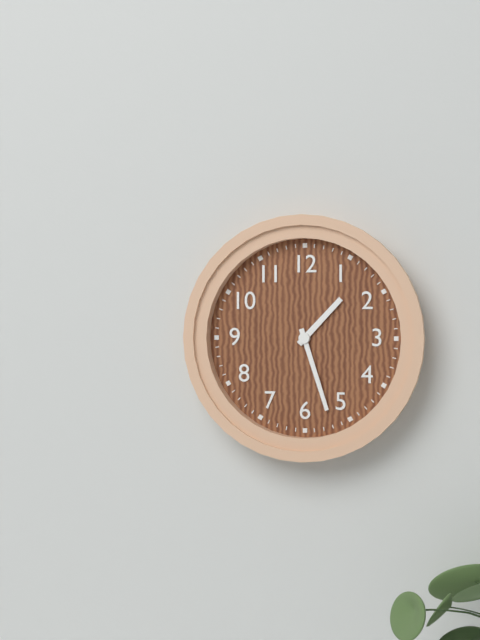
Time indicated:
1h27
